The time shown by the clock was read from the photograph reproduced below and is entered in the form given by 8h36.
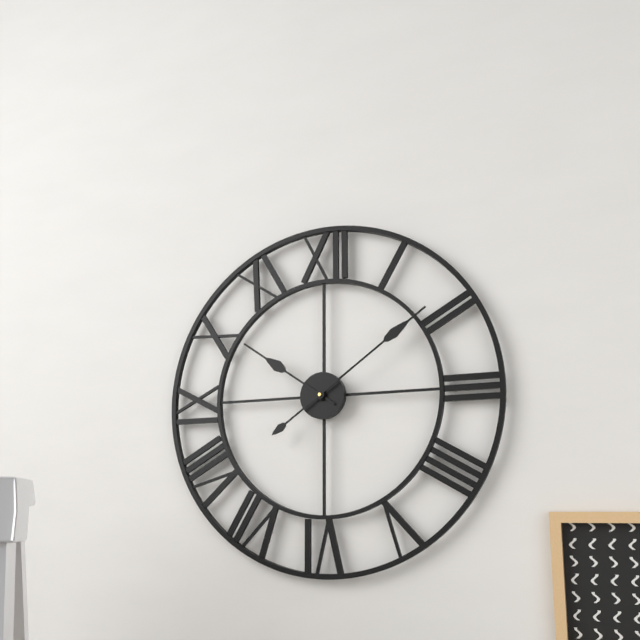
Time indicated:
10h09
